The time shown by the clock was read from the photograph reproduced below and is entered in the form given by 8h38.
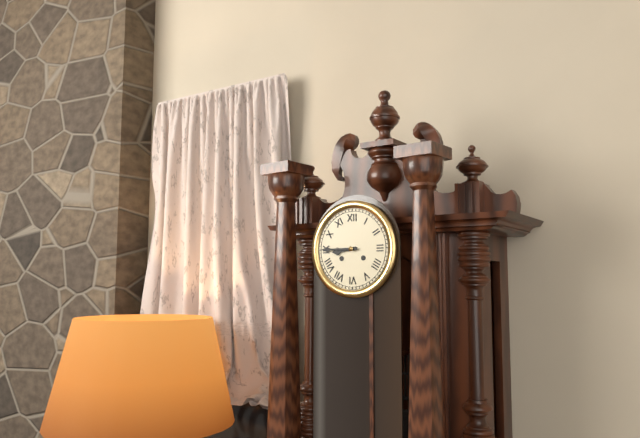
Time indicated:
8h45
